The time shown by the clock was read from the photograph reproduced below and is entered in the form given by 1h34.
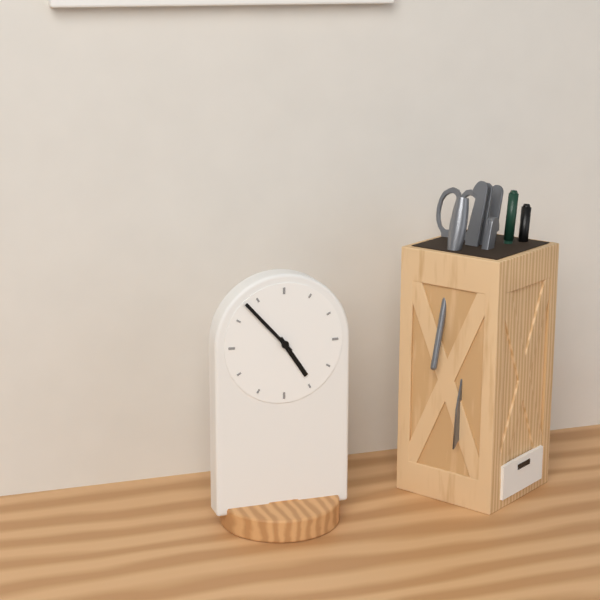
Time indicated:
4h53
